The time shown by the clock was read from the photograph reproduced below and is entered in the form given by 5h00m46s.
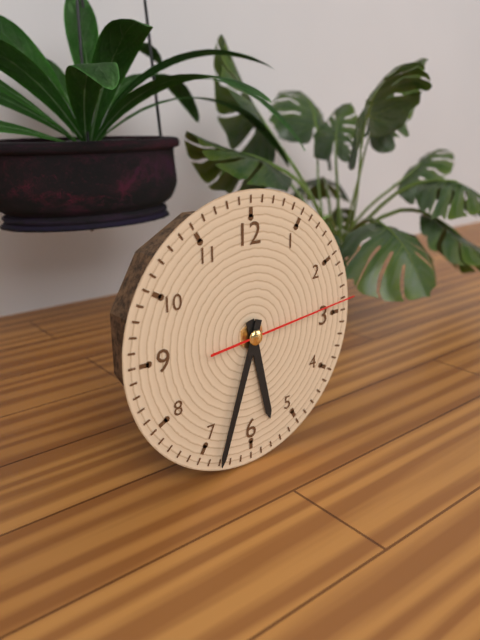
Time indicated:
5h33m14s
